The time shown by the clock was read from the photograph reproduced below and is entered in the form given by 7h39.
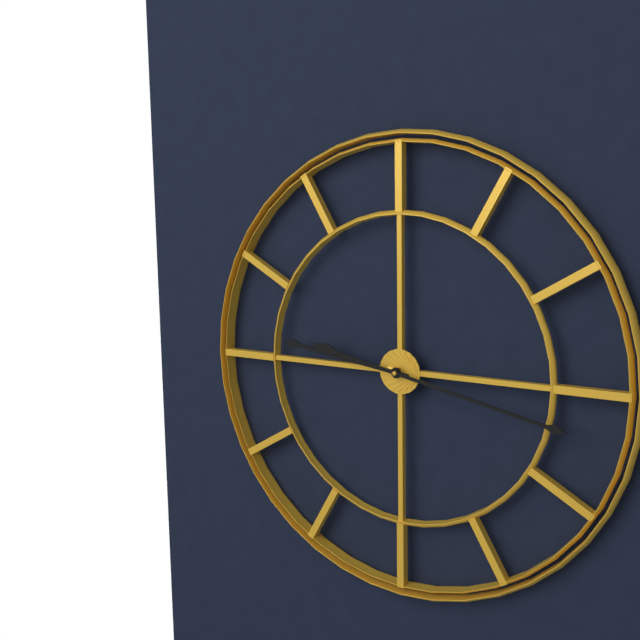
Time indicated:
9h17
